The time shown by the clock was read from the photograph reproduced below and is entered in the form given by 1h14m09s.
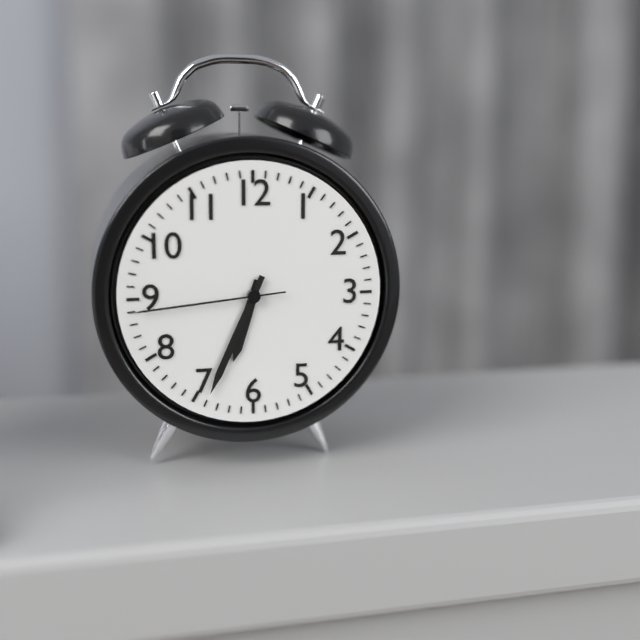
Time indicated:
6h34m44s
